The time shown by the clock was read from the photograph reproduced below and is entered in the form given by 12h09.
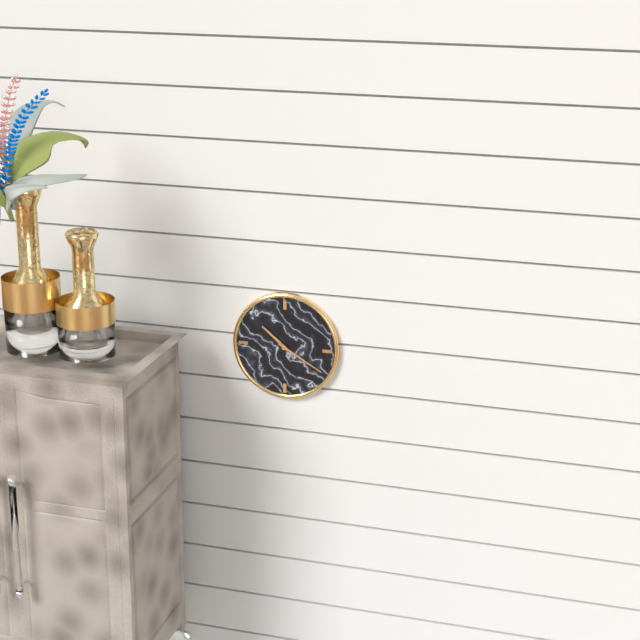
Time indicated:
10h20
